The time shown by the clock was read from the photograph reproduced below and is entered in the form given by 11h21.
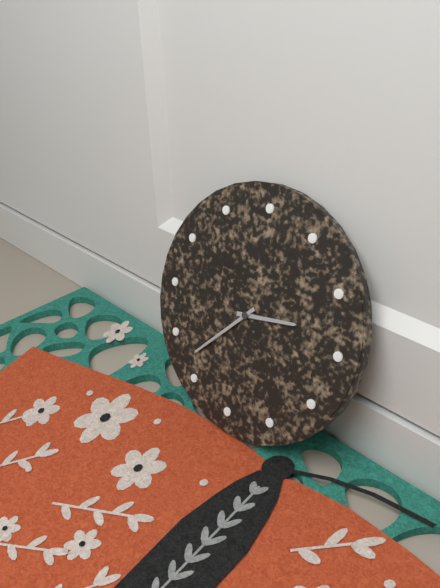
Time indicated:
2h37
